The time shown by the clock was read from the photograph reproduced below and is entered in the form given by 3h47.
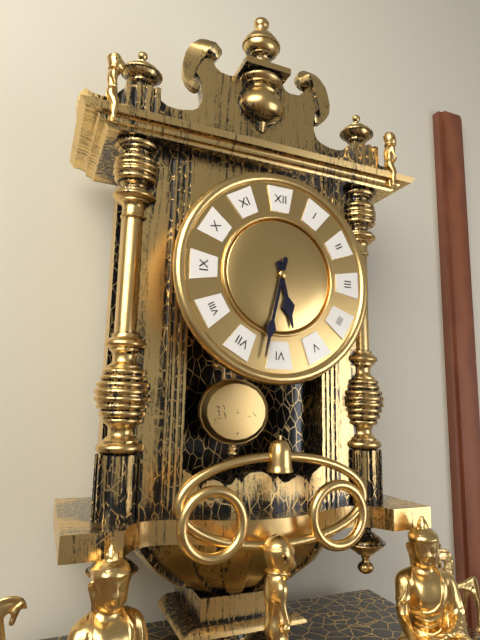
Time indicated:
5h32
